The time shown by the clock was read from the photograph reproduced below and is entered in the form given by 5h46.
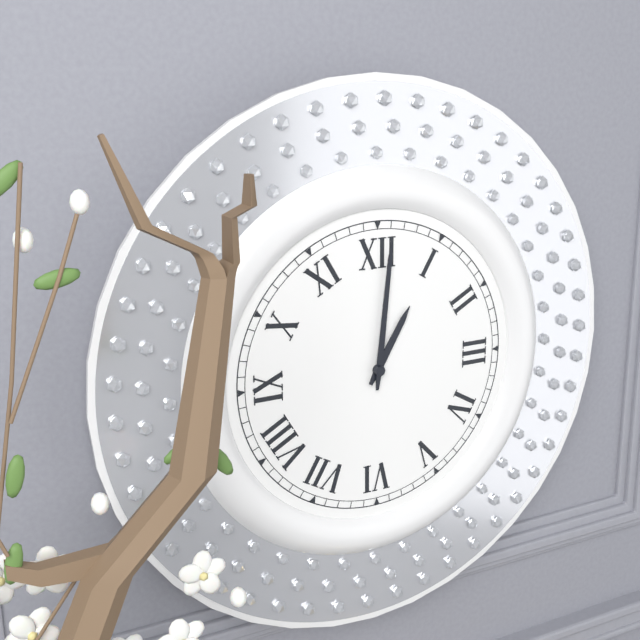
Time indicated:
1h01
